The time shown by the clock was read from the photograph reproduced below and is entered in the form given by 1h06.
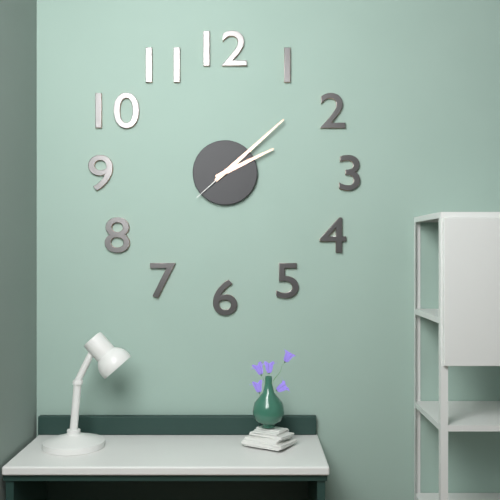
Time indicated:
2h08
